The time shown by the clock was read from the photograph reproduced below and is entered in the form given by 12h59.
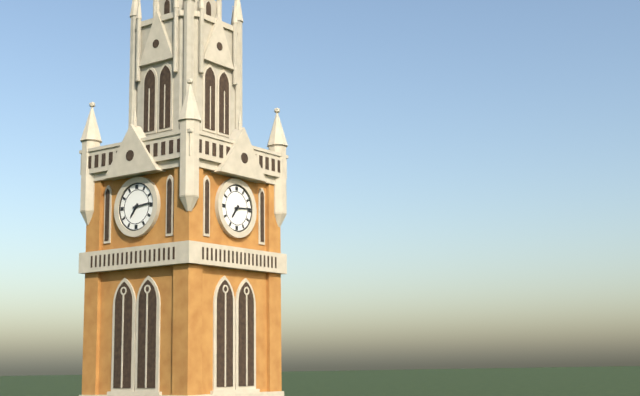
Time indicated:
7h14
